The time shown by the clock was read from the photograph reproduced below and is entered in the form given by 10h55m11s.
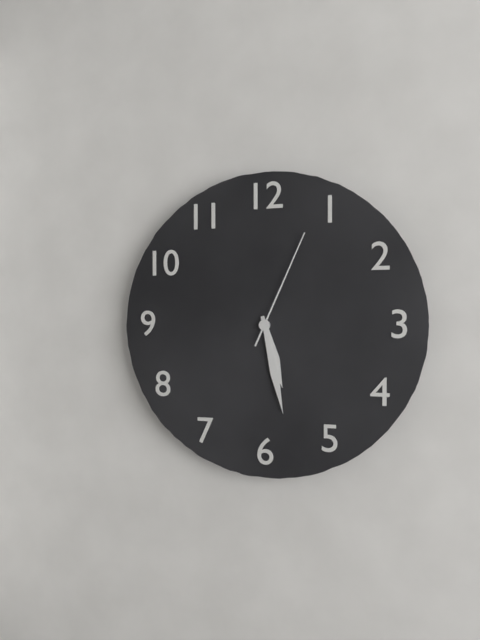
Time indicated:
5h28m04s
